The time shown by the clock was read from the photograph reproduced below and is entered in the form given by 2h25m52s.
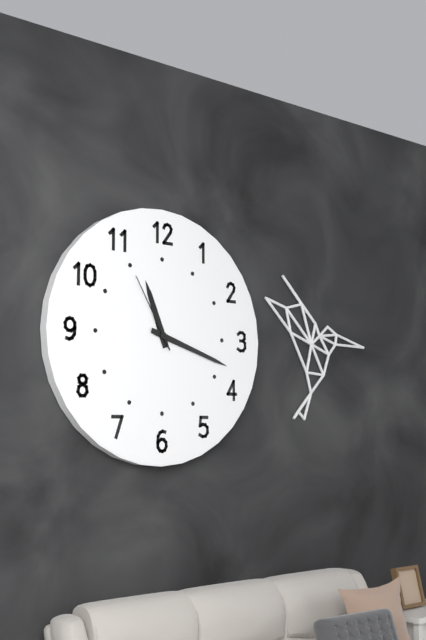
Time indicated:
11h18m55s
